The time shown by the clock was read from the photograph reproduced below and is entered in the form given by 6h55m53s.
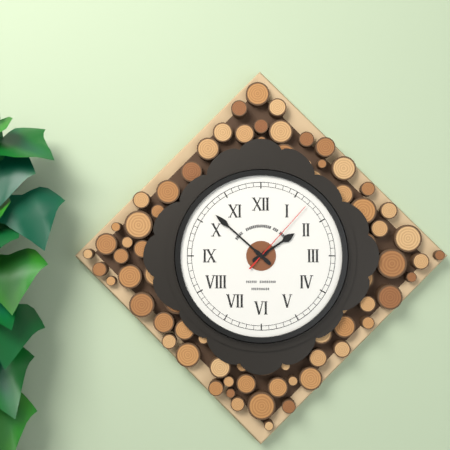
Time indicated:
1h52m07s
